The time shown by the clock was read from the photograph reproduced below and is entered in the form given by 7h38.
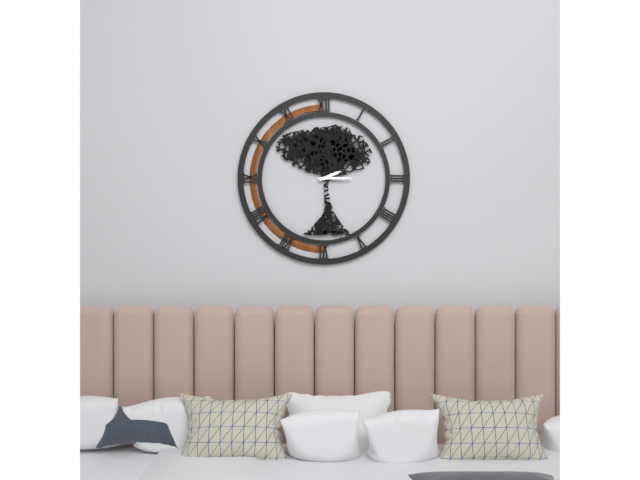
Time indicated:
2h15
